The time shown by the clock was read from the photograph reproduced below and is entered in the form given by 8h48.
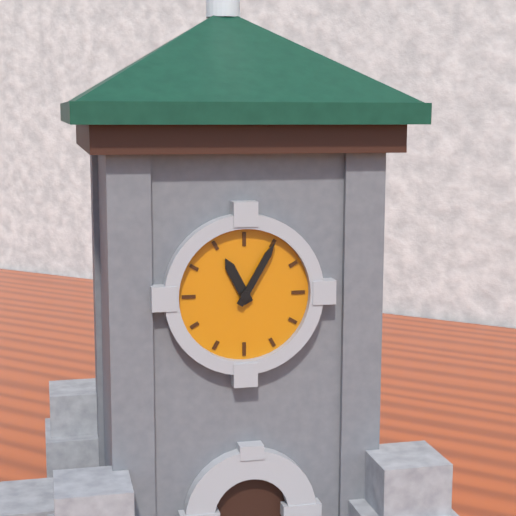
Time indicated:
11h05
